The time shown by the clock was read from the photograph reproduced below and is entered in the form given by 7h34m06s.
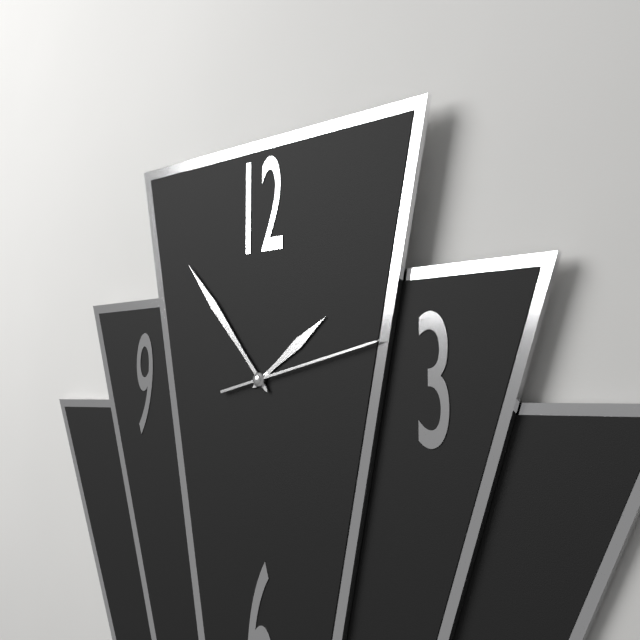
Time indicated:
1h53m13s
